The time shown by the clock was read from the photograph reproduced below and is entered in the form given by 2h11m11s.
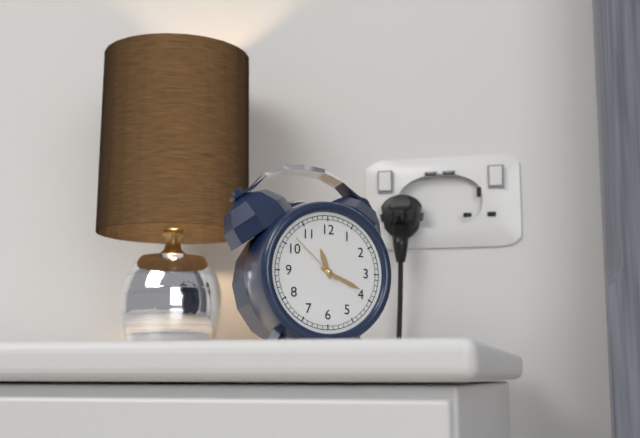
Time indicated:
11h19m52s
